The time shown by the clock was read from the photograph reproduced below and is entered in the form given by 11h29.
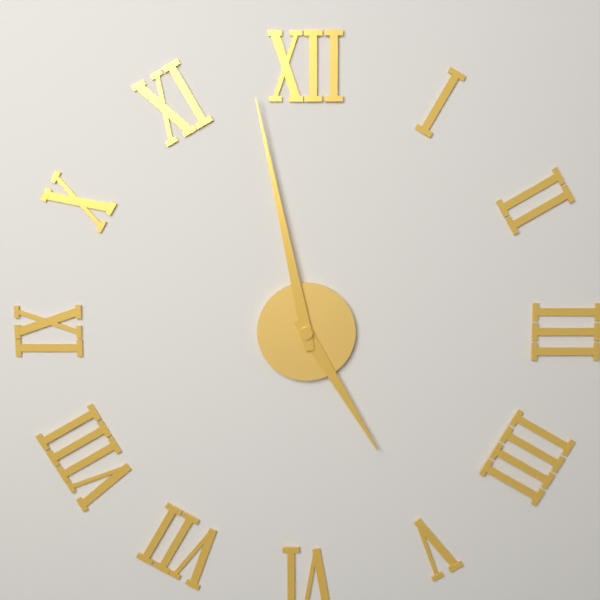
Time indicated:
4h58
